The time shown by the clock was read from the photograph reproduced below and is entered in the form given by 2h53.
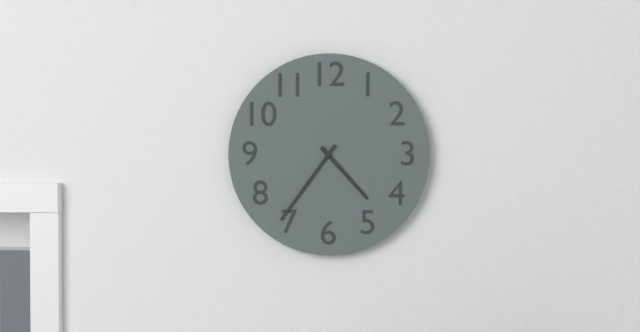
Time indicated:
4h36
